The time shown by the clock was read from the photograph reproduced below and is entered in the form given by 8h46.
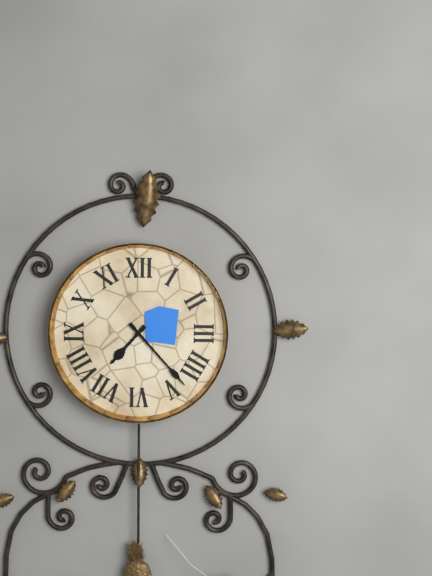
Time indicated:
7h23
